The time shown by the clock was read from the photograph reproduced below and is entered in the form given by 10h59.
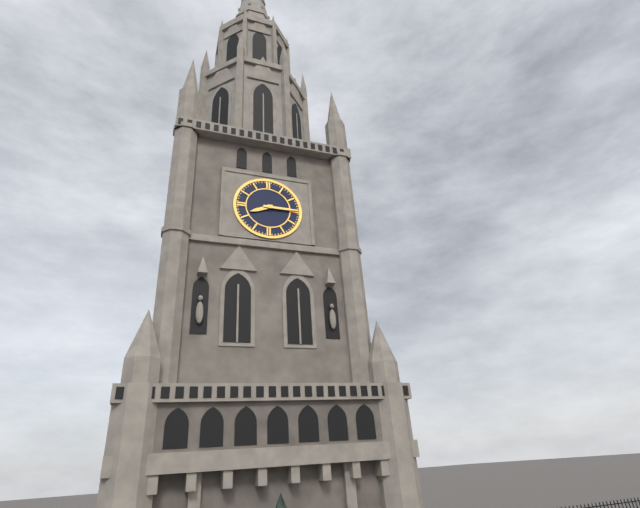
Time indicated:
8h15
